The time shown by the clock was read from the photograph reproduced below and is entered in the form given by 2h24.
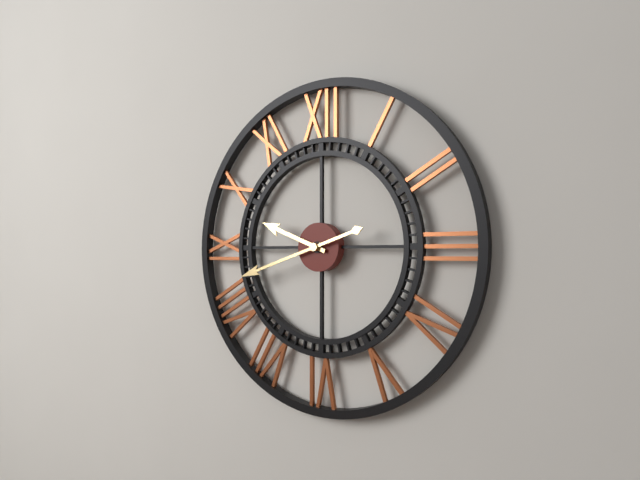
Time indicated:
9h42
